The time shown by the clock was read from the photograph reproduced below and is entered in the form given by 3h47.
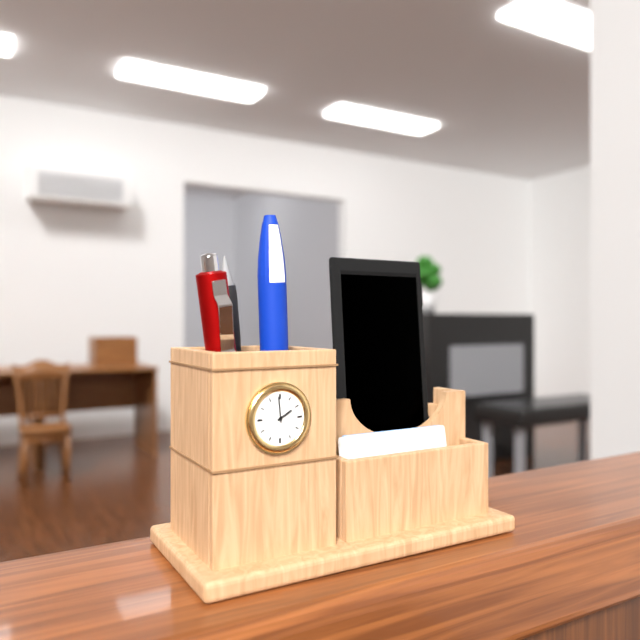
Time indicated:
1h59
